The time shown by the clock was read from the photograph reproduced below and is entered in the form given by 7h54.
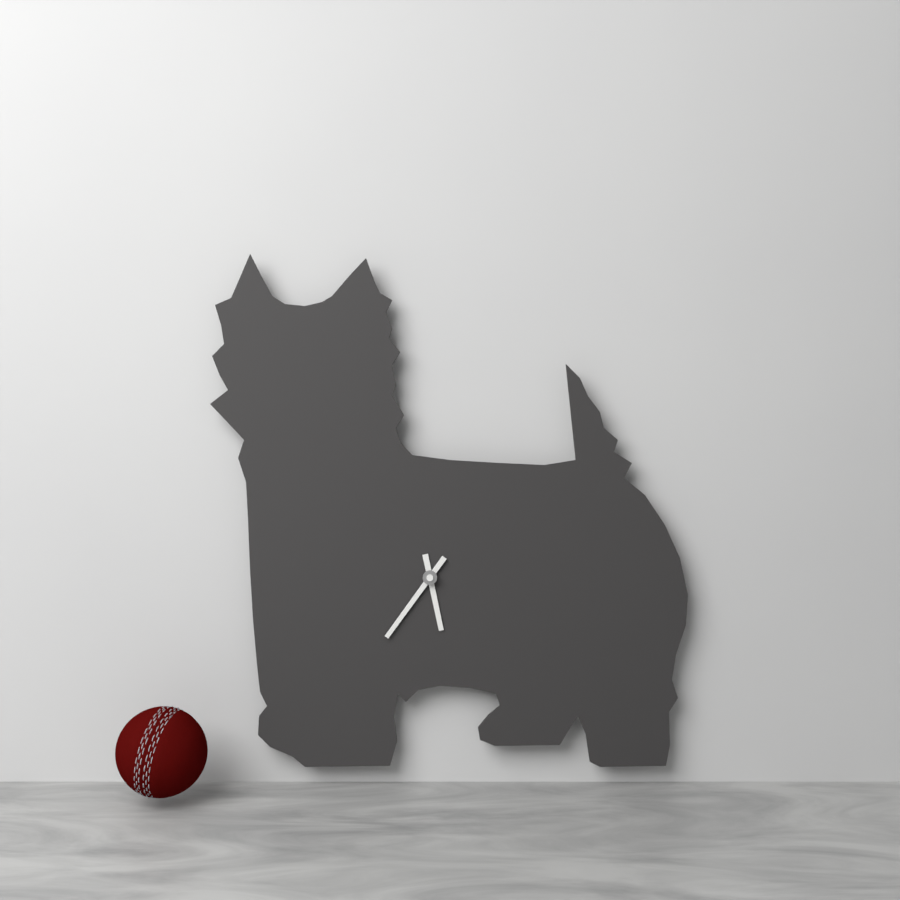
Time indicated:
5h36
